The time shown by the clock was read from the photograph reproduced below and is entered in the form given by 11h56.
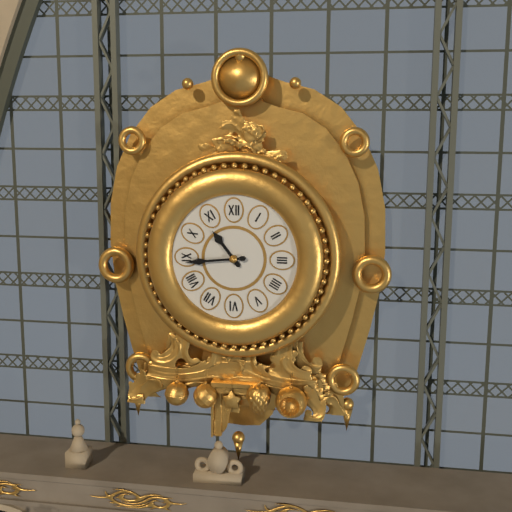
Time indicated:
10h44
